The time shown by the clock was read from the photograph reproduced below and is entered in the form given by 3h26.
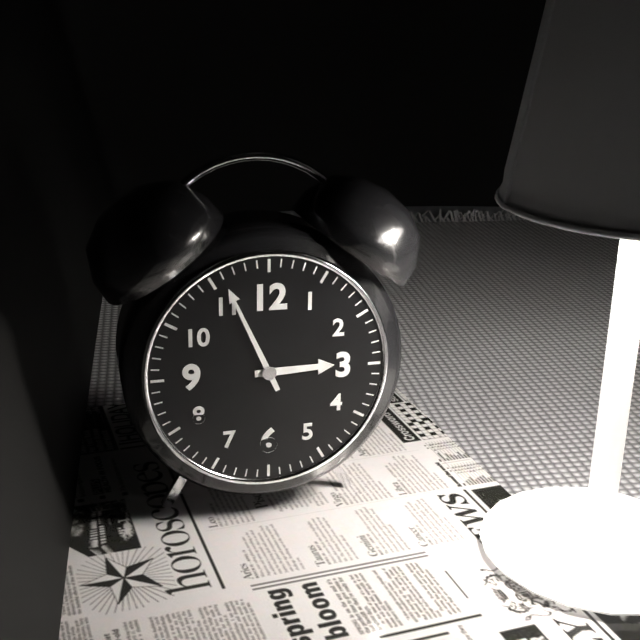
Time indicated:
2h56
